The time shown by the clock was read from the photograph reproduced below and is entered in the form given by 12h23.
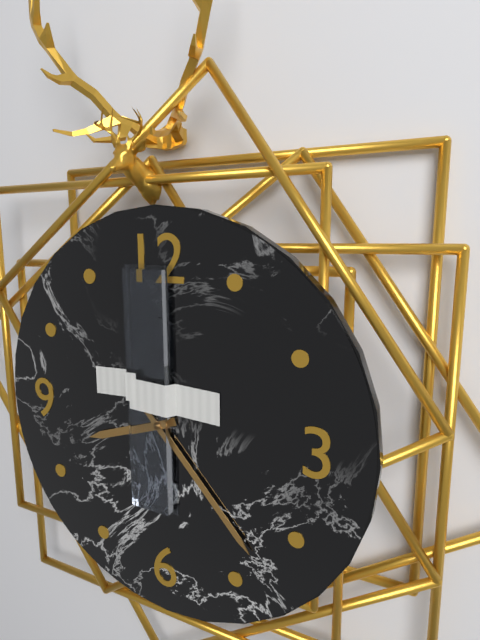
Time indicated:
8h23
